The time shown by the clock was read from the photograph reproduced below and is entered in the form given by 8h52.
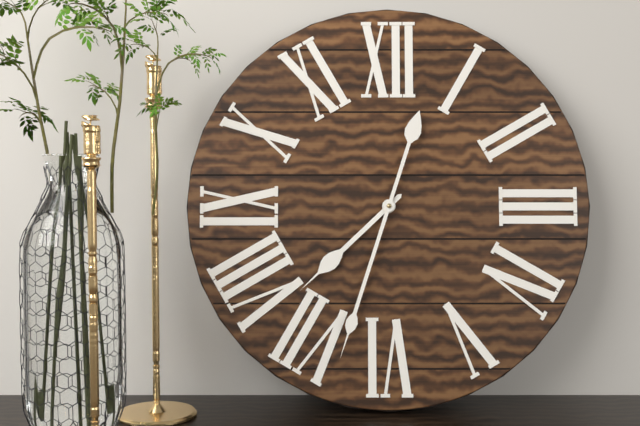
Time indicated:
7h33
